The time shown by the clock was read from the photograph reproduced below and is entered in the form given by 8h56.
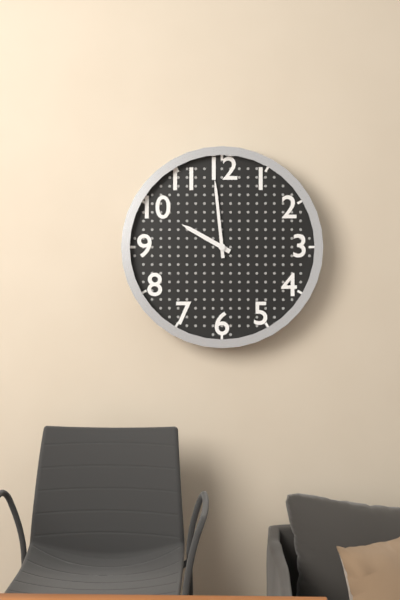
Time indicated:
9h59
